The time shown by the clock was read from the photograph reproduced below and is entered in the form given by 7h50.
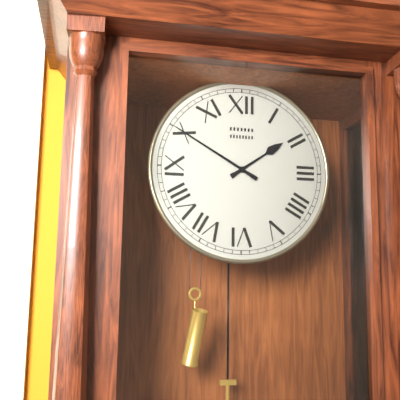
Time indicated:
1h50
